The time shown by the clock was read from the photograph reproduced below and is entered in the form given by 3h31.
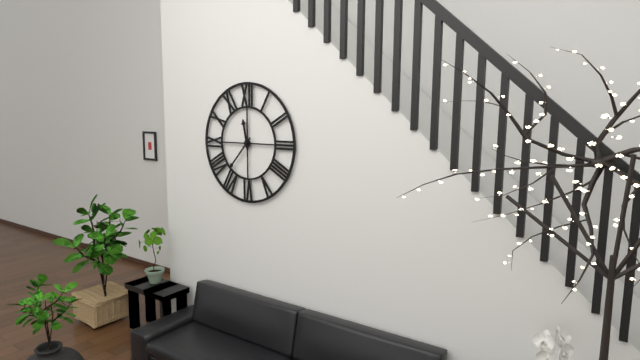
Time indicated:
11h37
